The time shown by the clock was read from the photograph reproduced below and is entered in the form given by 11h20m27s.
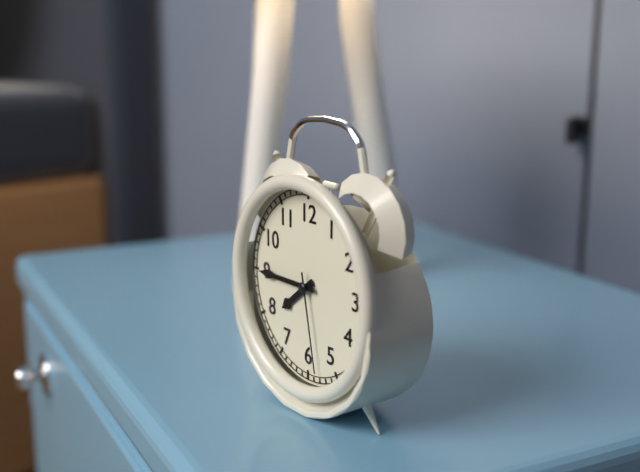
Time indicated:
7h45m28s
